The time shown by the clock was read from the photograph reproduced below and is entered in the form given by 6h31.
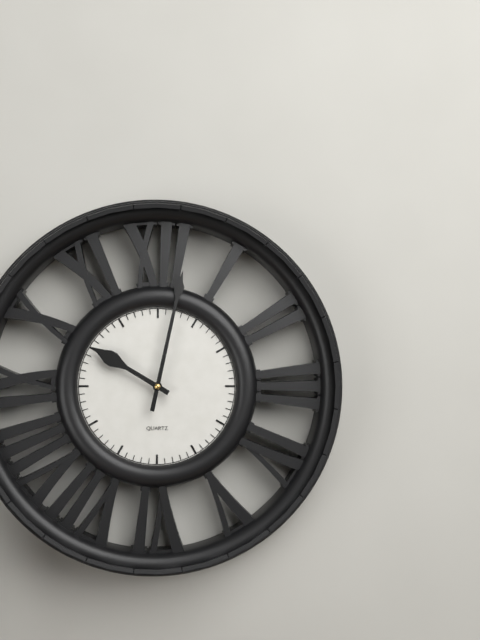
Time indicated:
10h02
